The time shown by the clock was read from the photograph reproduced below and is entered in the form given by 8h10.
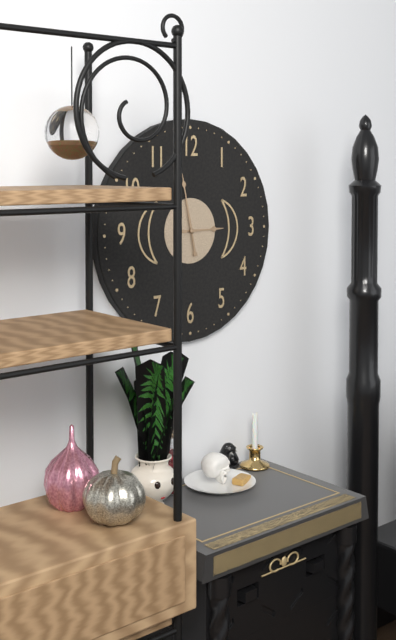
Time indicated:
2h58
